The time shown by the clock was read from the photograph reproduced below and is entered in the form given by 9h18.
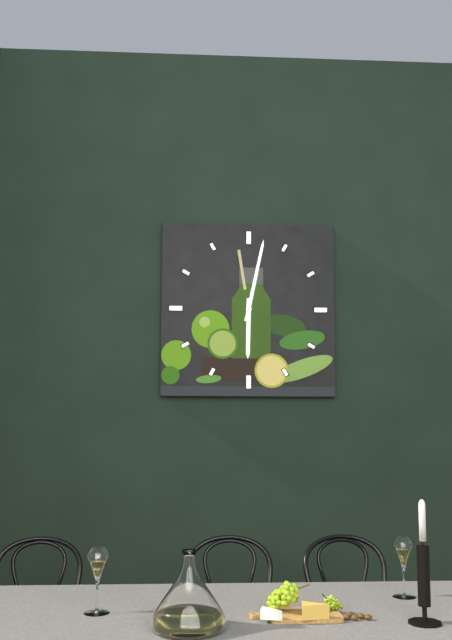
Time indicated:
6h02
